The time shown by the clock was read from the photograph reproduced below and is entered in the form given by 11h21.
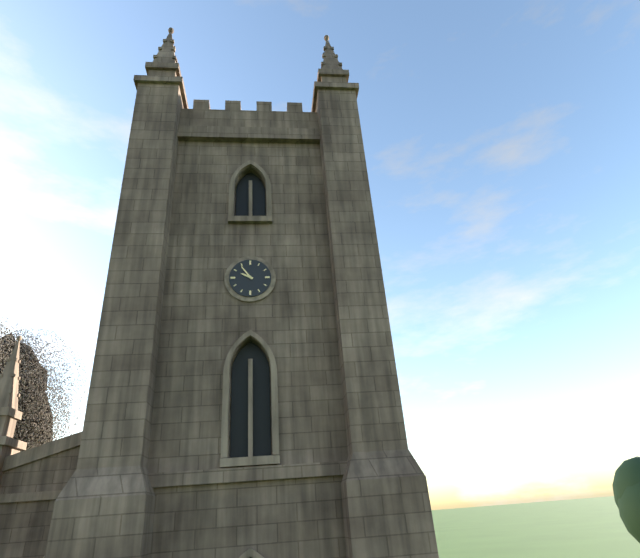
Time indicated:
9h54
